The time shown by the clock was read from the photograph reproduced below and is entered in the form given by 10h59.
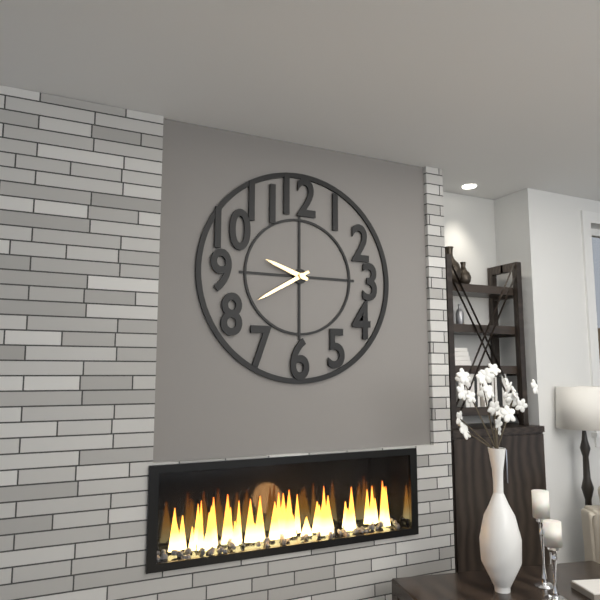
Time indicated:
9h40
